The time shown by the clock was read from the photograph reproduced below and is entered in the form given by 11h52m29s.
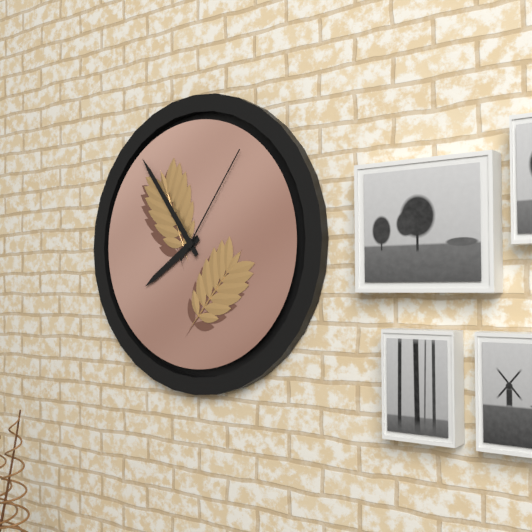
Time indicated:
7h54m06s
